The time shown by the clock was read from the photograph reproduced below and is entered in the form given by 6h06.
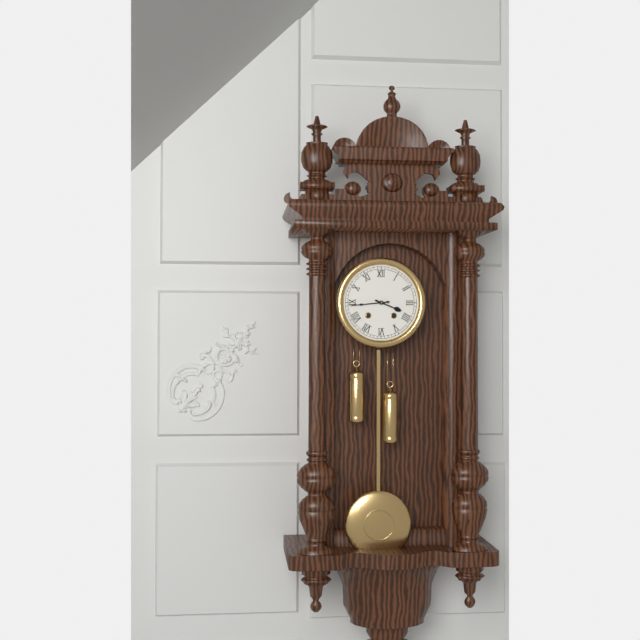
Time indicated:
3h44
